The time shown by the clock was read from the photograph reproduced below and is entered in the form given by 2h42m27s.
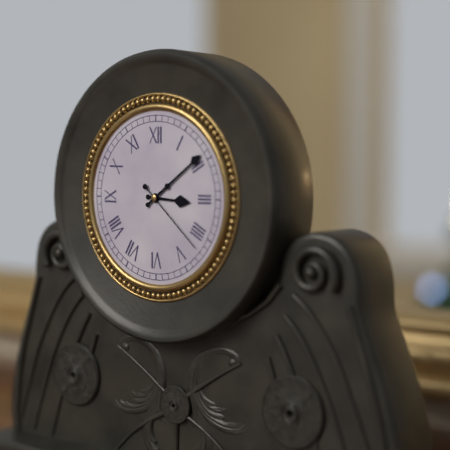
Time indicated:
3h09m22s
